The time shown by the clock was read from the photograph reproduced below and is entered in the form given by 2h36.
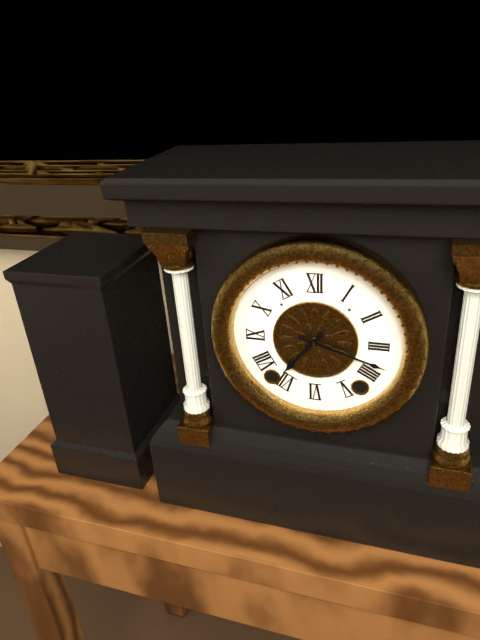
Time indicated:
7h18
